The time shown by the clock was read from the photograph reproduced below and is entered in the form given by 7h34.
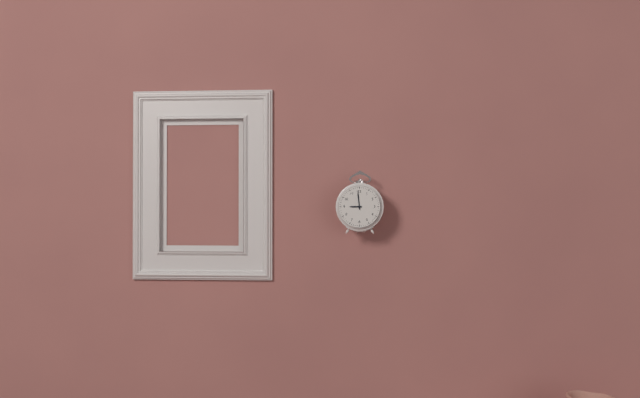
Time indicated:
8h59
